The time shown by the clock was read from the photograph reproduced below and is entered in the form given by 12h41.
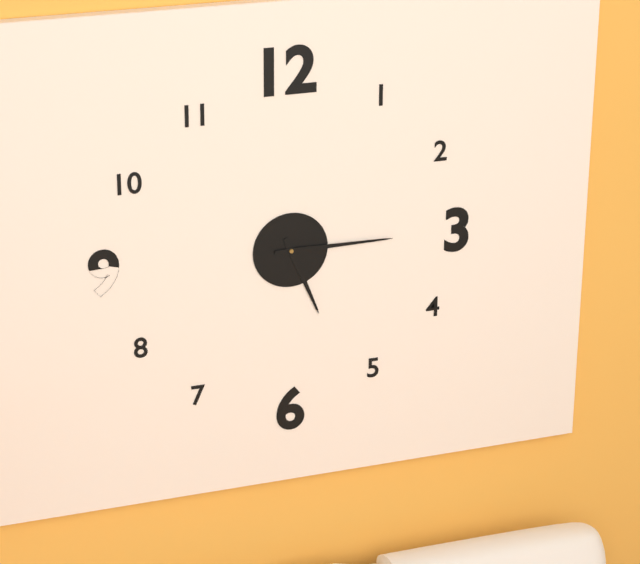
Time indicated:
5h15
